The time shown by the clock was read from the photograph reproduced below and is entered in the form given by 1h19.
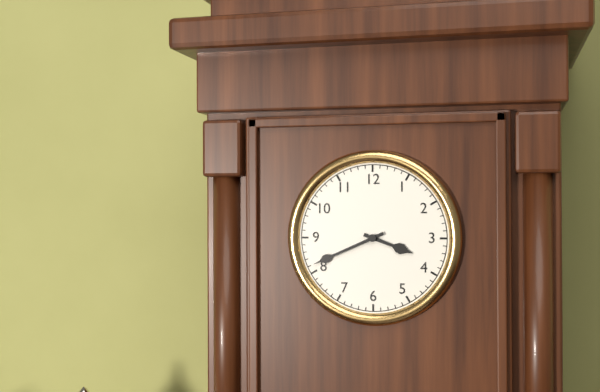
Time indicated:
3h41
